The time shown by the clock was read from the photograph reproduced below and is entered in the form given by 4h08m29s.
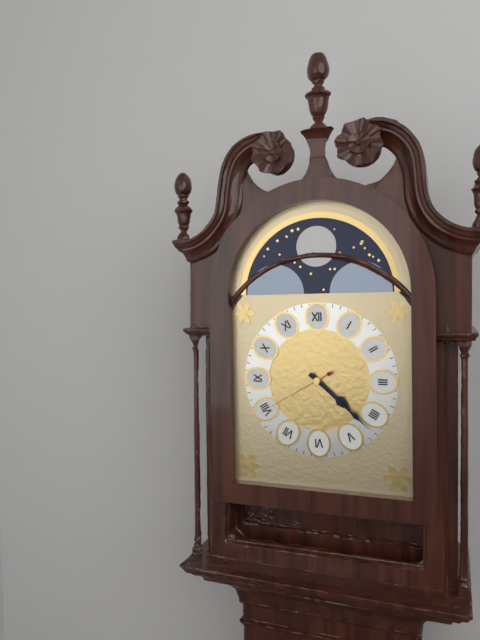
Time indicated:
4h22m40s
